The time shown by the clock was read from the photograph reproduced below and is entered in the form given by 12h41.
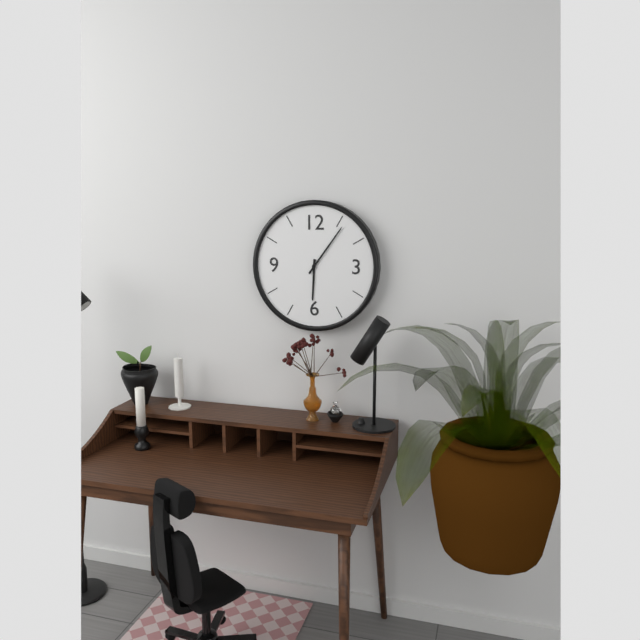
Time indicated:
6h06
